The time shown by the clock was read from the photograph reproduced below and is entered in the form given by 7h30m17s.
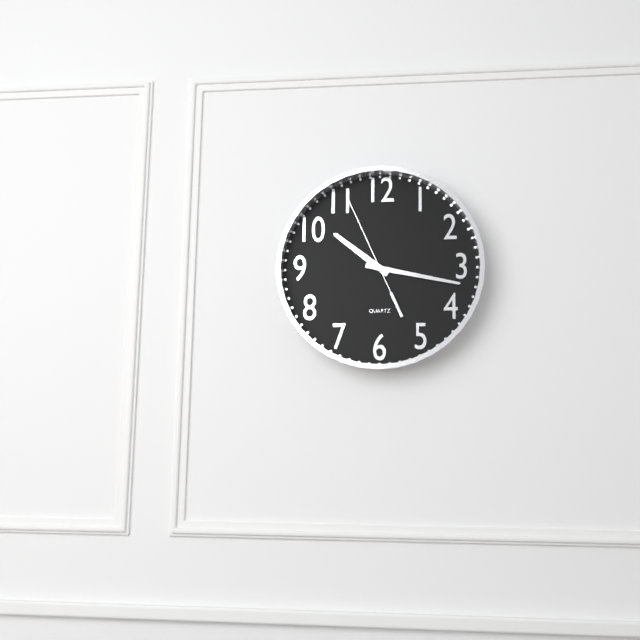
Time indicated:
10h17m56s
